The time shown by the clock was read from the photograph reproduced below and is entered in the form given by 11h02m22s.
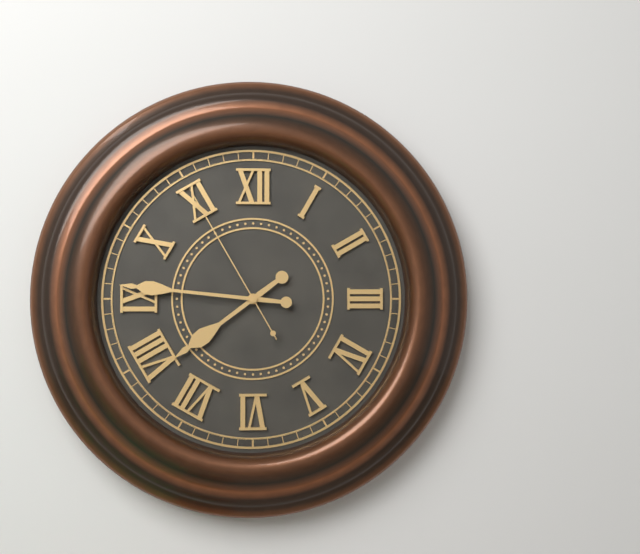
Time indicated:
7h46m55s
